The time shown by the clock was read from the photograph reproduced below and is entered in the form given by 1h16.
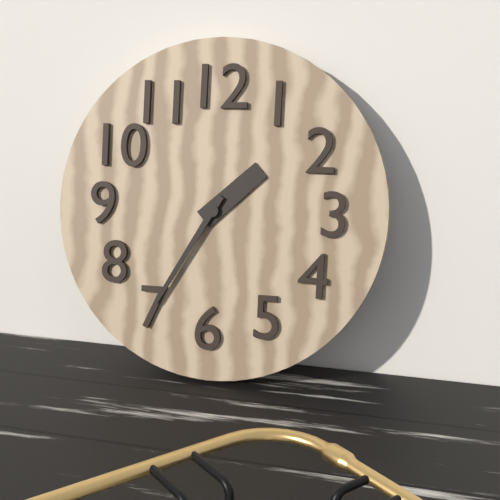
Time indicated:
1h35
